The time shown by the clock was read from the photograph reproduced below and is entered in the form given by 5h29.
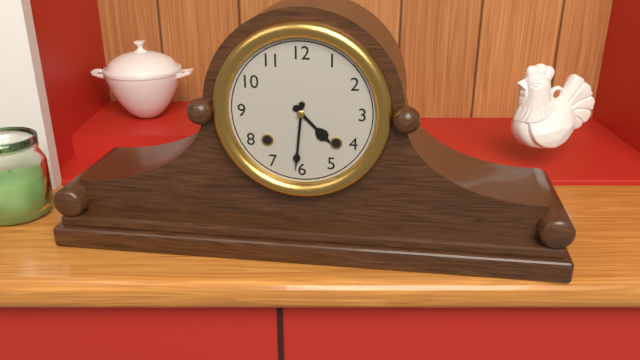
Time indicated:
4h31
